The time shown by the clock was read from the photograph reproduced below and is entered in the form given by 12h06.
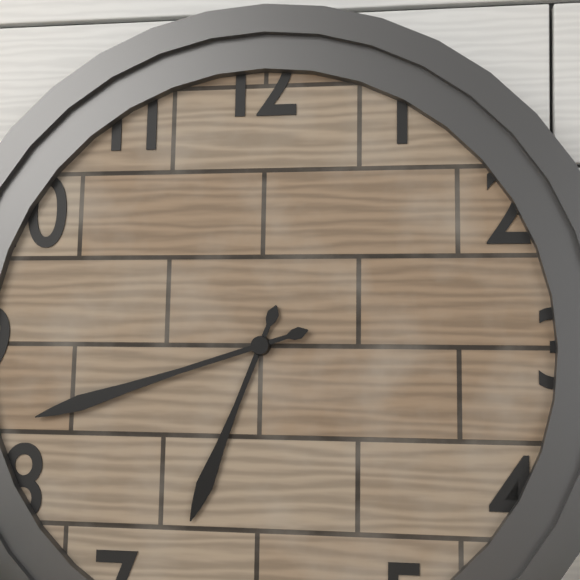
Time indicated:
6h42
